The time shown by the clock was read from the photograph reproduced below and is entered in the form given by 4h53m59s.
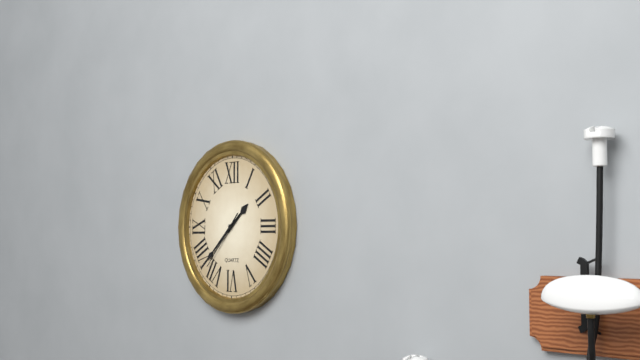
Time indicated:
1h38m37s
